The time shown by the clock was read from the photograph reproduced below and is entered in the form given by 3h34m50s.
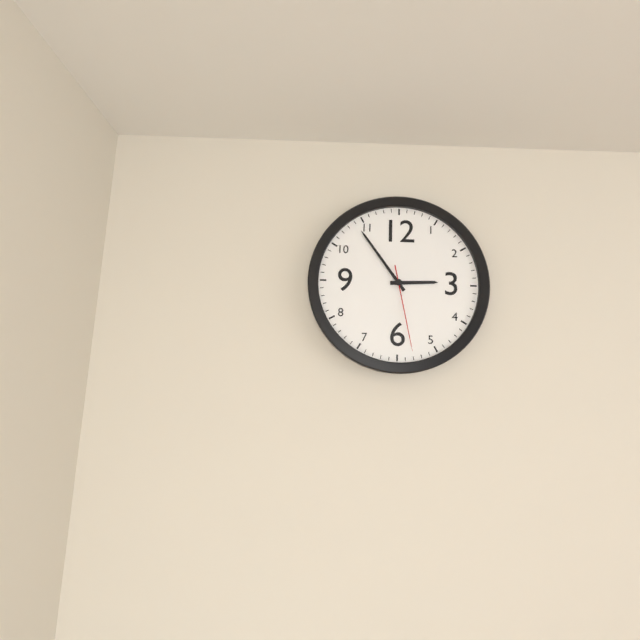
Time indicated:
2h54m28s
